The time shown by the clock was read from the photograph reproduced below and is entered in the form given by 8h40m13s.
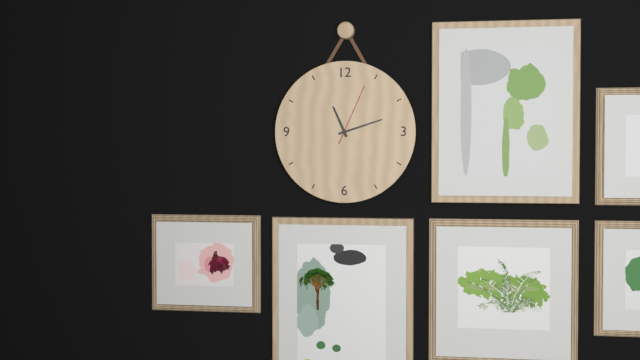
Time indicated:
11h12m04s
